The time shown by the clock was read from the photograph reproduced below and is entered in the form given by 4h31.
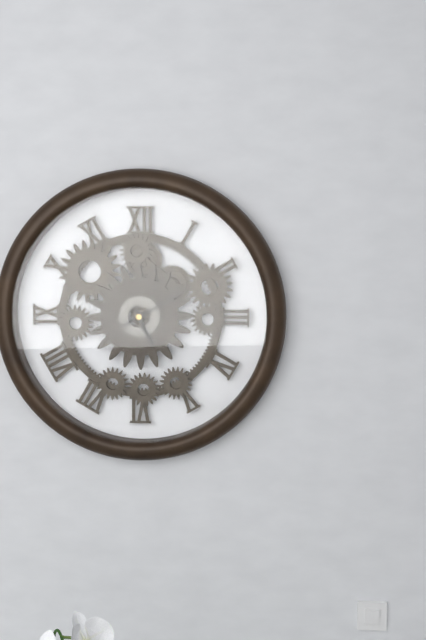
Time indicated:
5h10
